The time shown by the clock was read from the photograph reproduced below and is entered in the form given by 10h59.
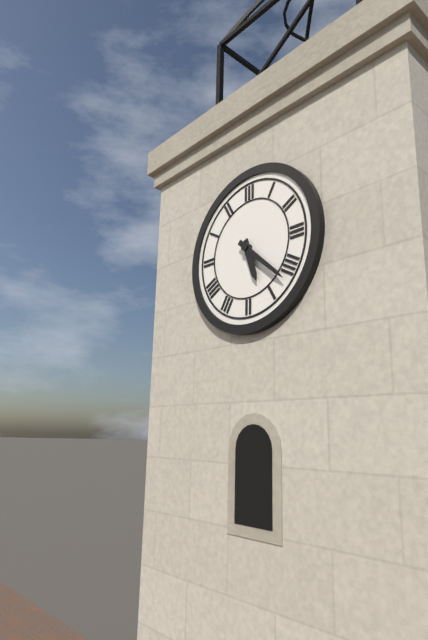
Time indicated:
5h22
